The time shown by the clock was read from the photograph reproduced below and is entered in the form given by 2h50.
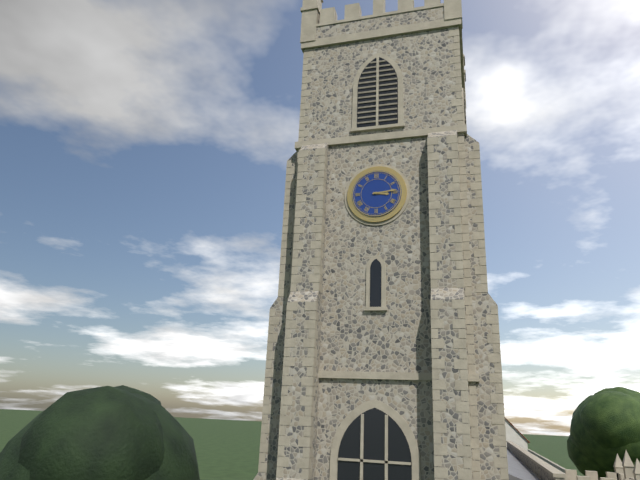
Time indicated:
3h14
